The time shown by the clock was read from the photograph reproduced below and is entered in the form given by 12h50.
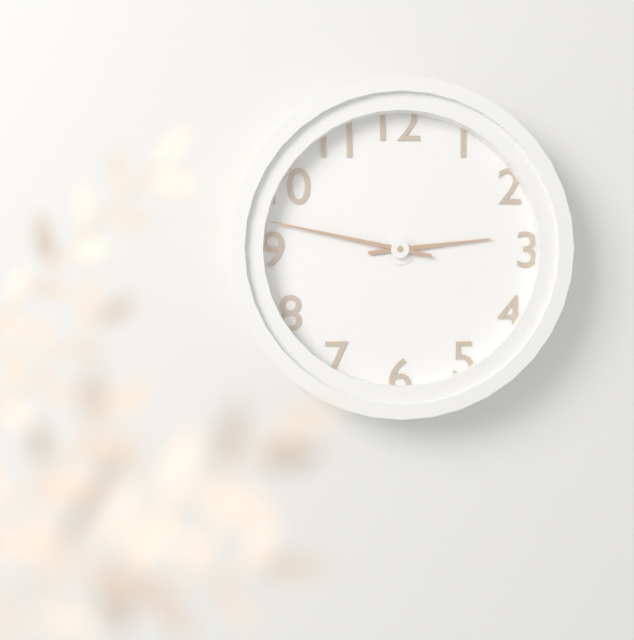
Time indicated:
2h47
